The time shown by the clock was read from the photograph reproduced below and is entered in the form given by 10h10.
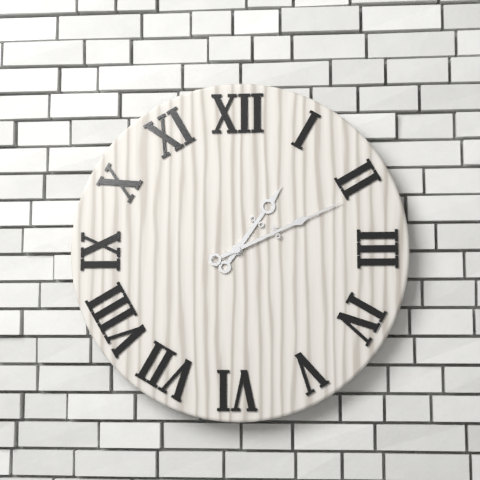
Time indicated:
1h11
